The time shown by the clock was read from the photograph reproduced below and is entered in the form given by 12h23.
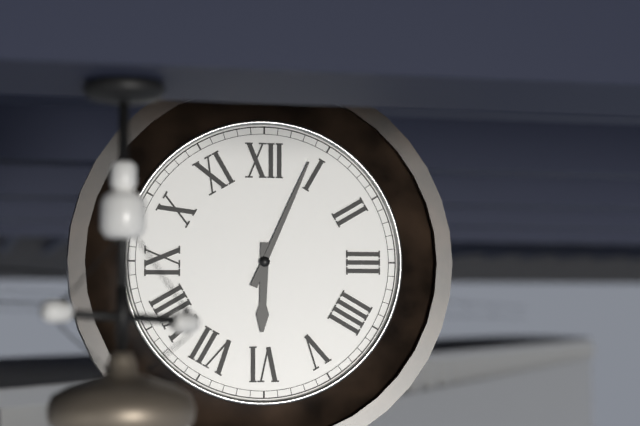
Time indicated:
6h04
